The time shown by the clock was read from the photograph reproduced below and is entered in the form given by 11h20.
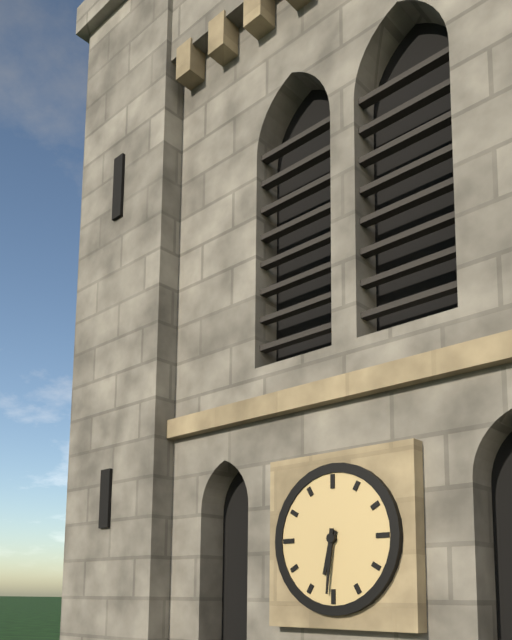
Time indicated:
6h31
